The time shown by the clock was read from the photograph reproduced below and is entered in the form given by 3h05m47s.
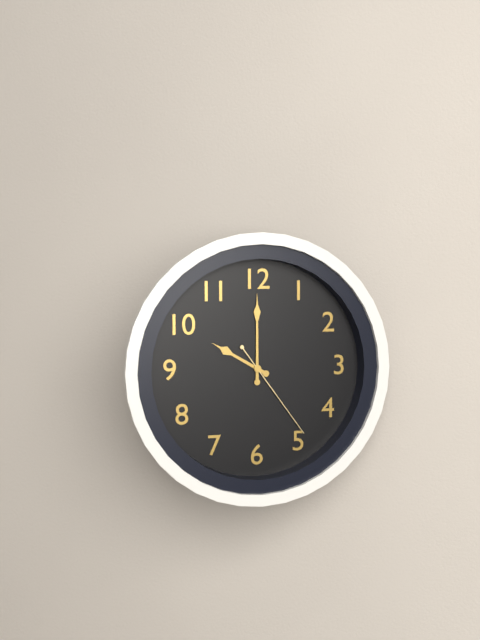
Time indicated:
10h00m24s
